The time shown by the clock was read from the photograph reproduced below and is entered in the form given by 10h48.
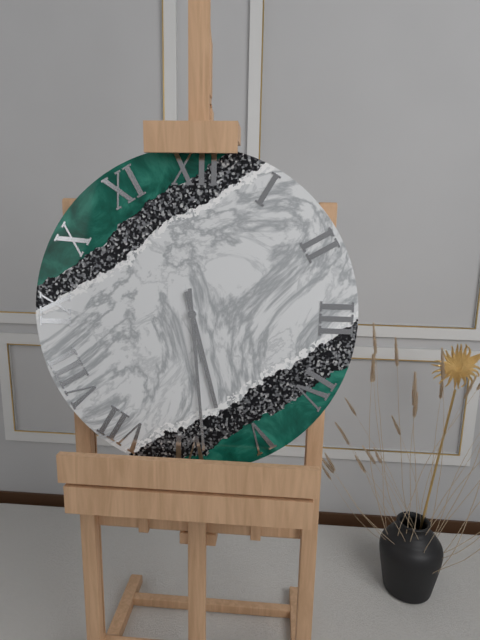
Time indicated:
5h29
